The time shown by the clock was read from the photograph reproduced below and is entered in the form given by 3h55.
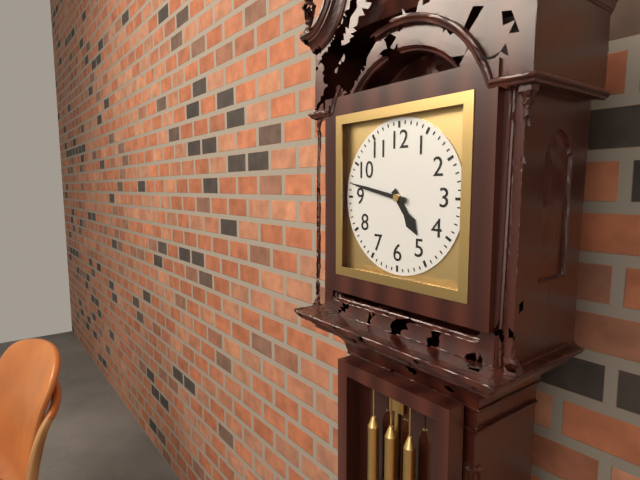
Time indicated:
4h47
